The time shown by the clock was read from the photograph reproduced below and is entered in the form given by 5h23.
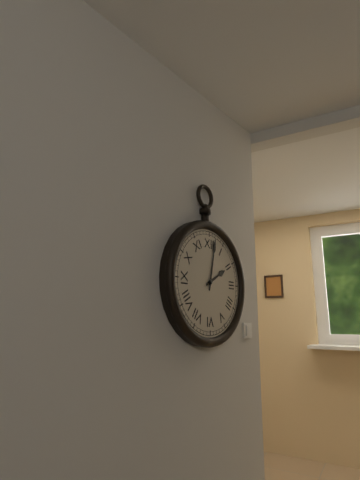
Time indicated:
2h02
